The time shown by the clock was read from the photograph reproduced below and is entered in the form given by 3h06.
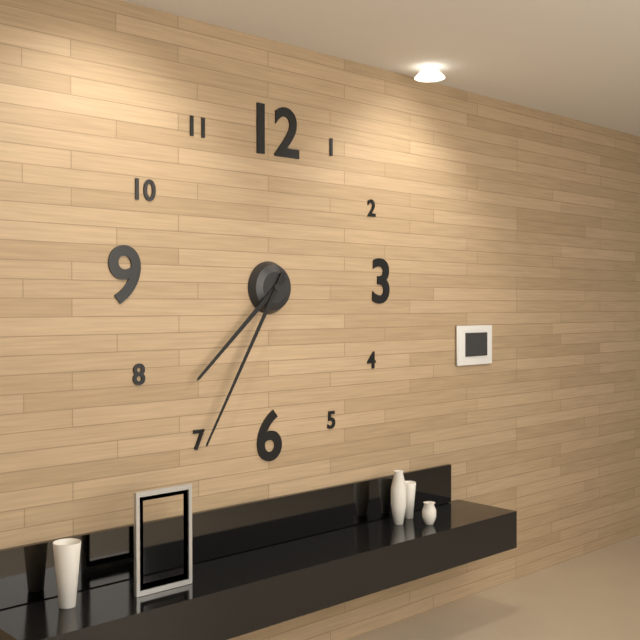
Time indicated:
7h35
